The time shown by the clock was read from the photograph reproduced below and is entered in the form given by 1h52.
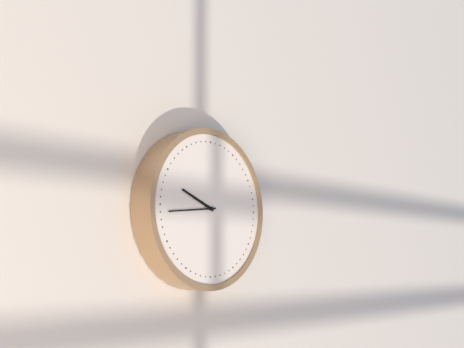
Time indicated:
9h44
